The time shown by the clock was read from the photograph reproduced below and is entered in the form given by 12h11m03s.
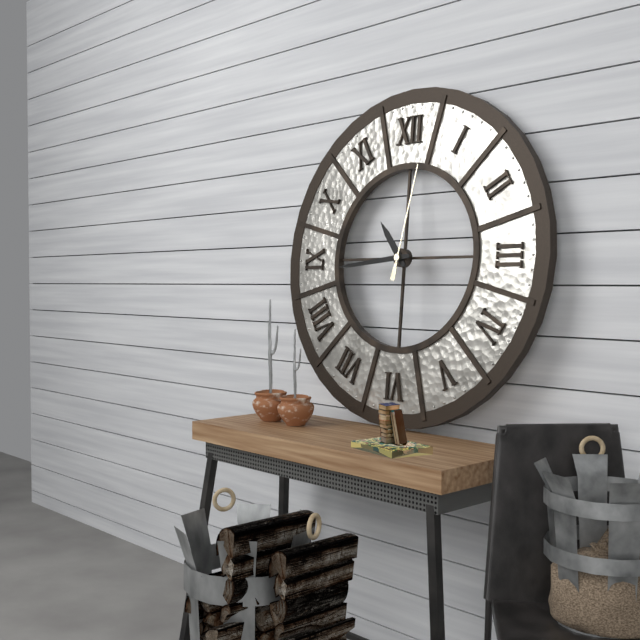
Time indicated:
10h44m02s
